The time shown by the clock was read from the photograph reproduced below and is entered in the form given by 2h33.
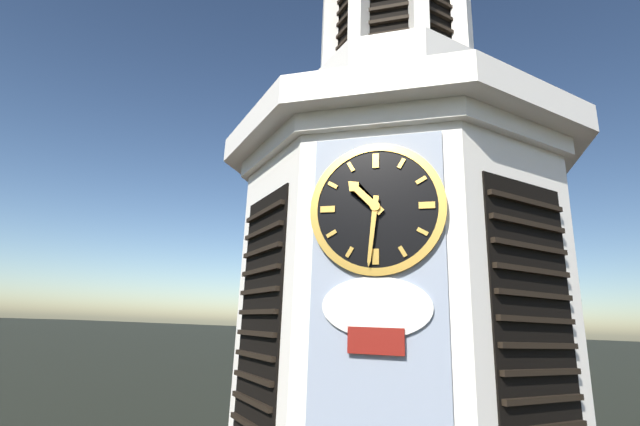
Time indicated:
10h31
